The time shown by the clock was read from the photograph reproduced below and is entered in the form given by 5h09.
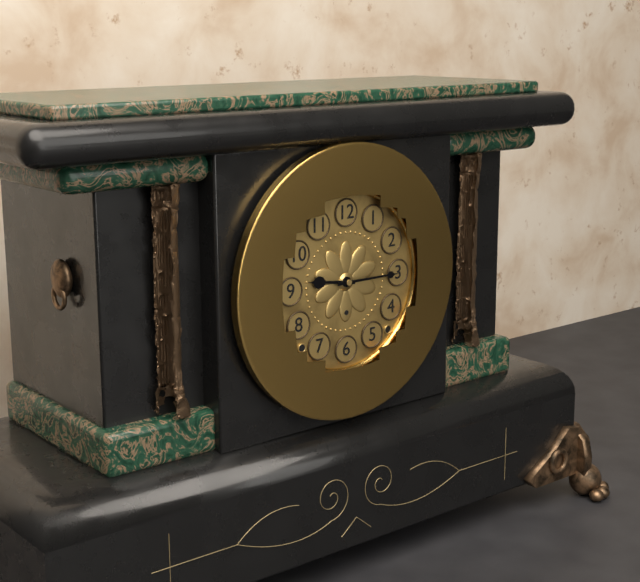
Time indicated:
9h15
